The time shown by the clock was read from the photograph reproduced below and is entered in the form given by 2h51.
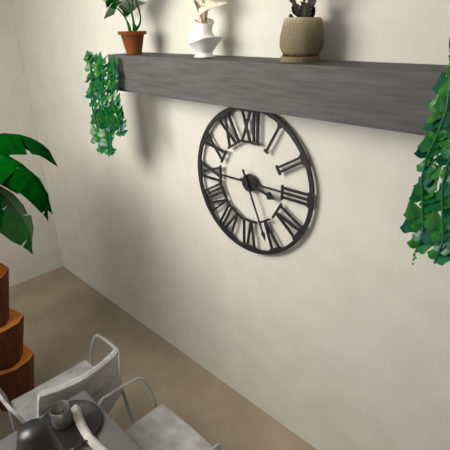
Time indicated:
3h26
